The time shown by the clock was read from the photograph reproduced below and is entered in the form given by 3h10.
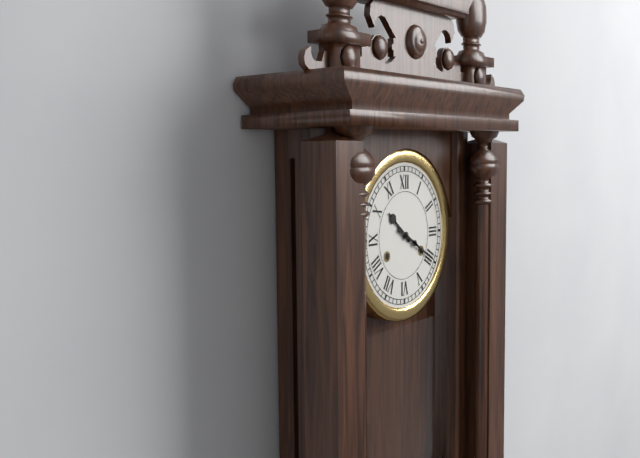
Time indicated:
10h20
